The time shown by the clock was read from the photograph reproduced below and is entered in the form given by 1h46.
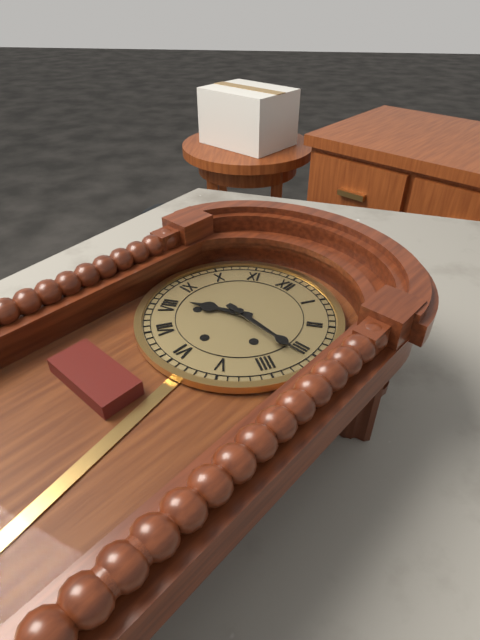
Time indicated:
8h16
